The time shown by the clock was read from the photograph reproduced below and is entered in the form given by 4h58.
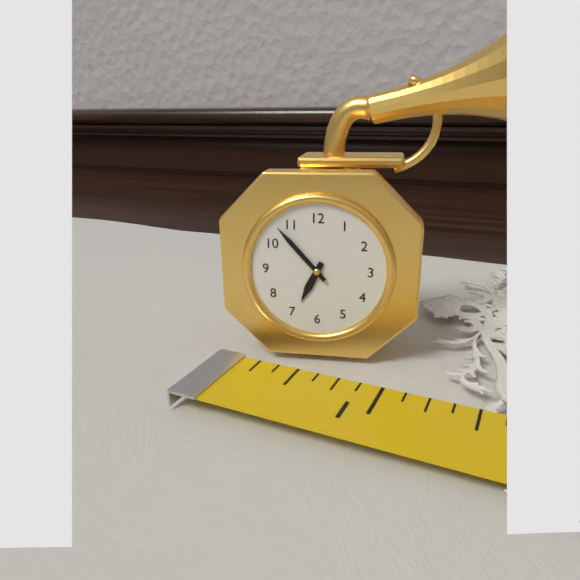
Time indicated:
6h53
